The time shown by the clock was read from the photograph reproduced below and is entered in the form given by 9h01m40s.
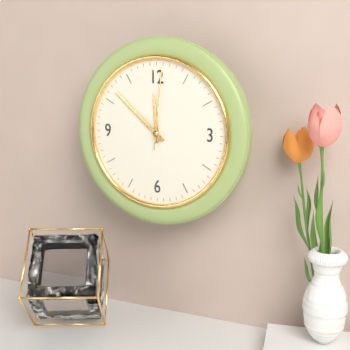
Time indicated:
11h52m01s
